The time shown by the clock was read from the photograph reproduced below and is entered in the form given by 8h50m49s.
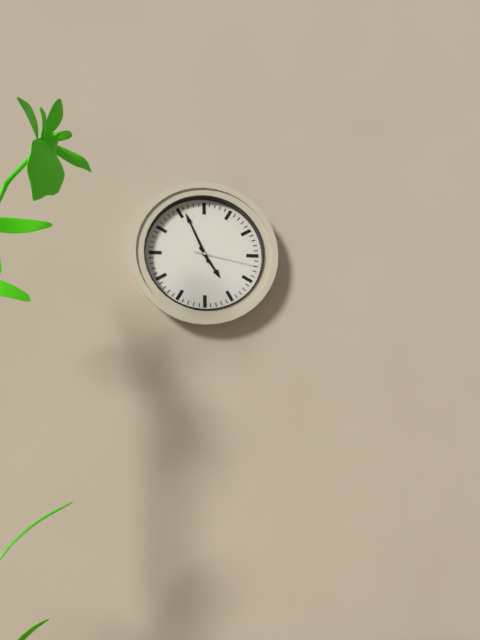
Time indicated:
4h56m17s
